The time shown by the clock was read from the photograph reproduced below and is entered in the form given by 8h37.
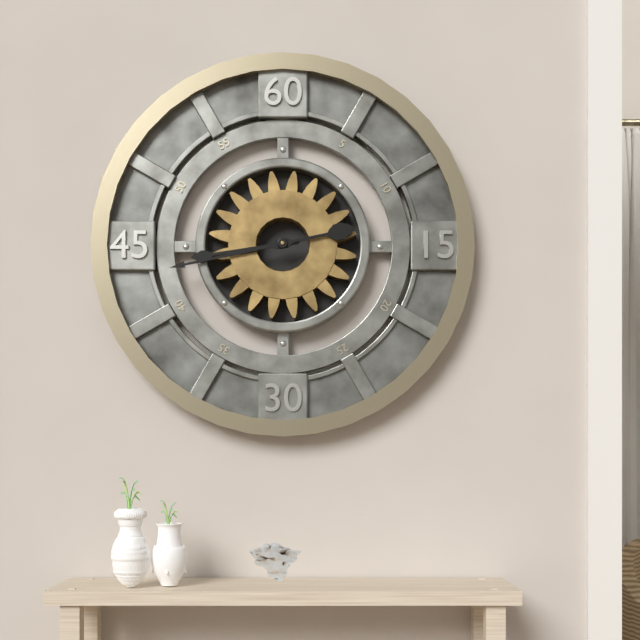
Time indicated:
8h43
